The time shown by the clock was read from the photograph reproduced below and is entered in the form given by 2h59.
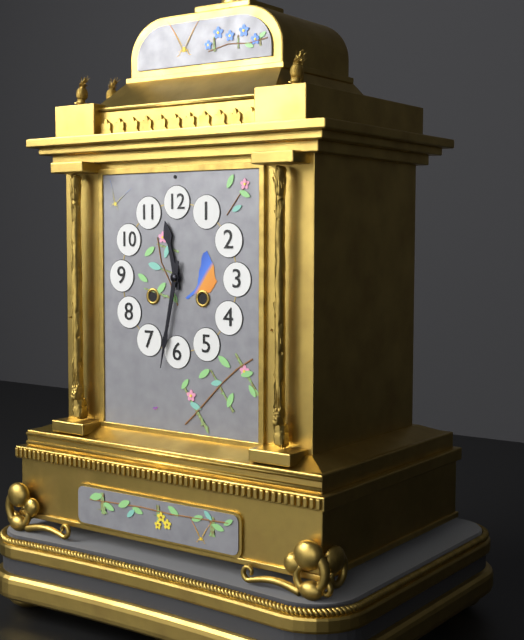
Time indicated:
11h32
